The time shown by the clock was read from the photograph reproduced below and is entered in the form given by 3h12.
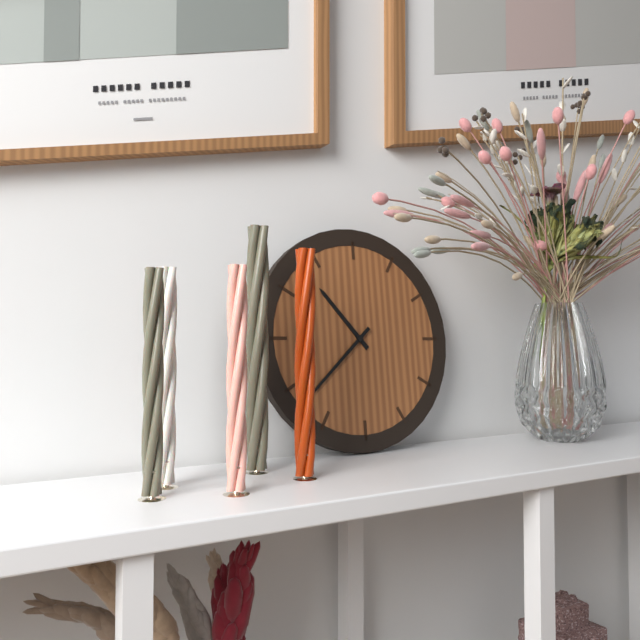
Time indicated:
10h38
